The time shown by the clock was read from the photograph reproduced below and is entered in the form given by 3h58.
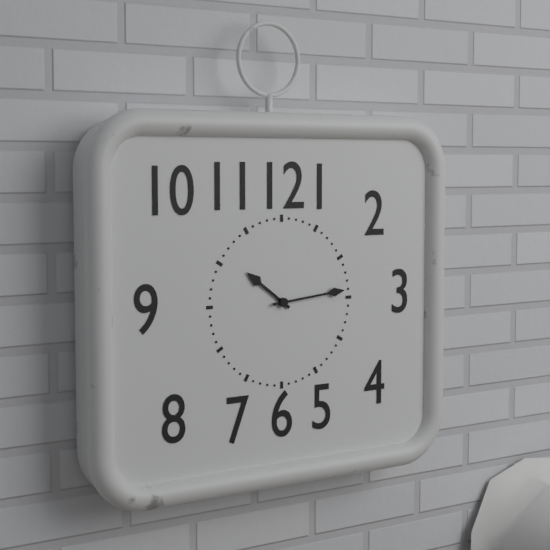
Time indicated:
10h14
